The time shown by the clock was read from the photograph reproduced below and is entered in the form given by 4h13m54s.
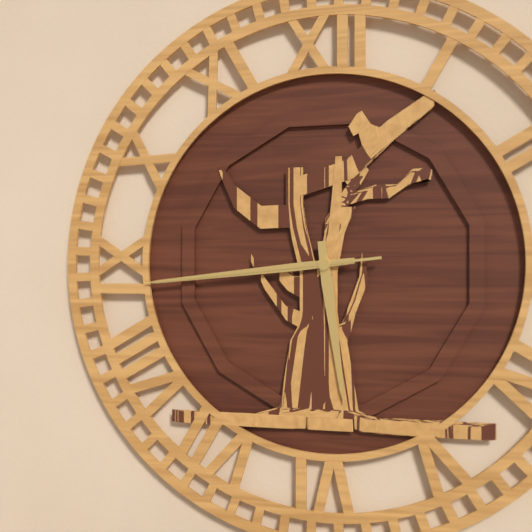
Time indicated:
5h44m44s
